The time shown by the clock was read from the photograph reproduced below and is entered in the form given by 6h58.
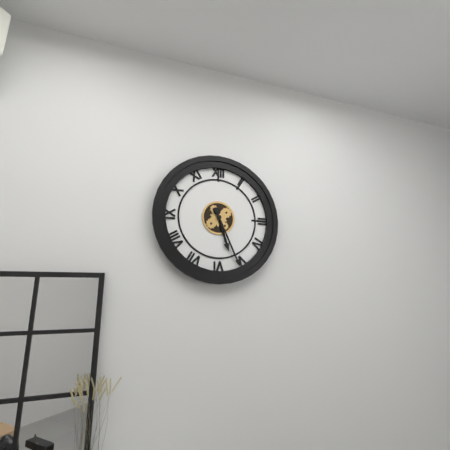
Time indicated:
5h26
